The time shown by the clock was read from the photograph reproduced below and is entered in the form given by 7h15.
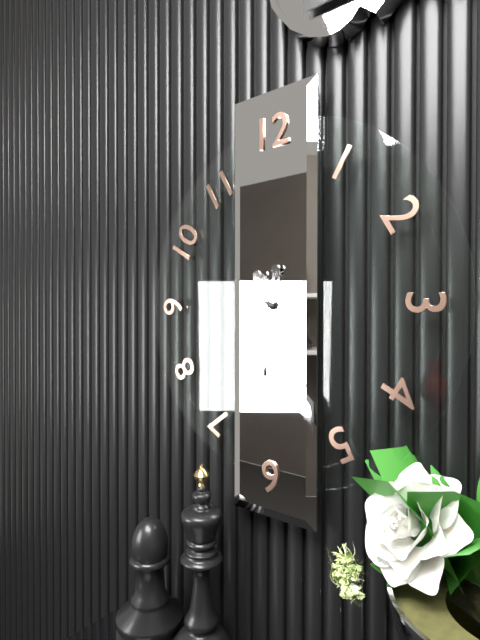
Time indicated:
6h26
